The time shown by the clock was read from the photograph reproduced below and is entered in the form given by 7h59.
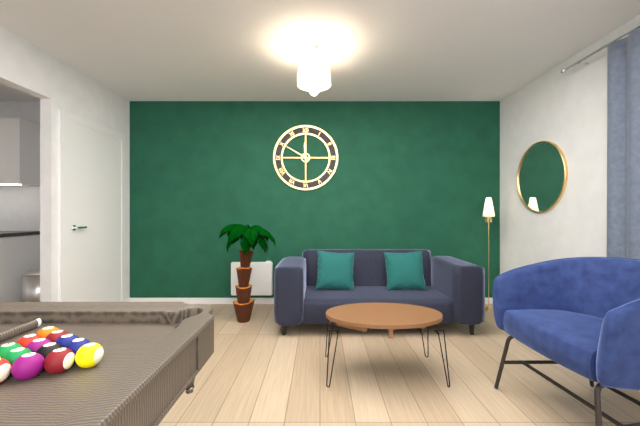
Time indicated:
11h50
